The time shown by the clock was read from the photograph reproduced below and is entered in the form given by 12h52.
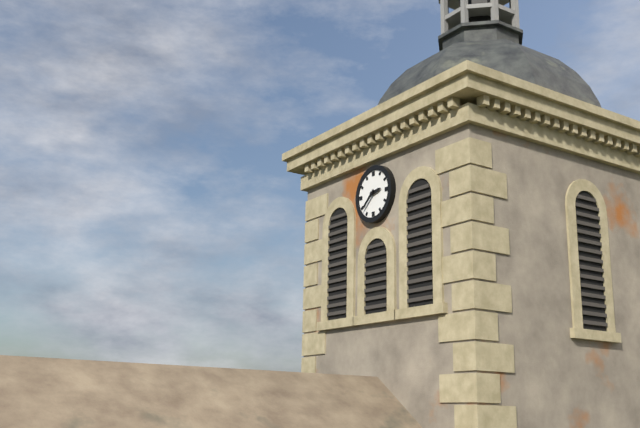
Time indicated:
2h38
